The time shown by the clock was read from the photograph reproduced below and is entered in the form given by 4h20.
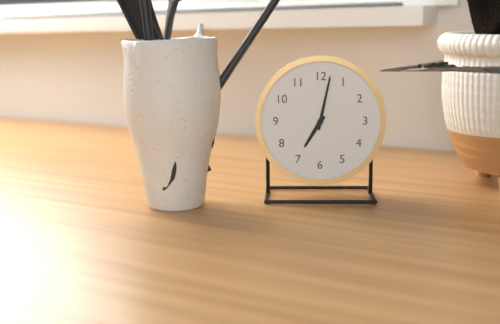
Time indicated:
7h02
